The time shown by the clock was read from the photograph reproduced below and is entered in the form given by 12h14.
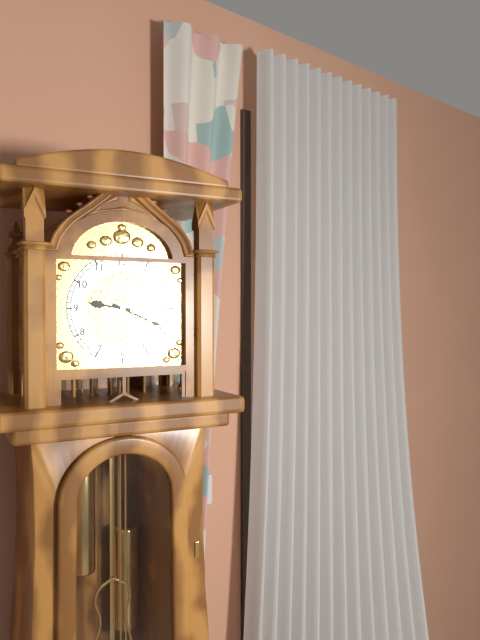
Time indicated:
9h19
